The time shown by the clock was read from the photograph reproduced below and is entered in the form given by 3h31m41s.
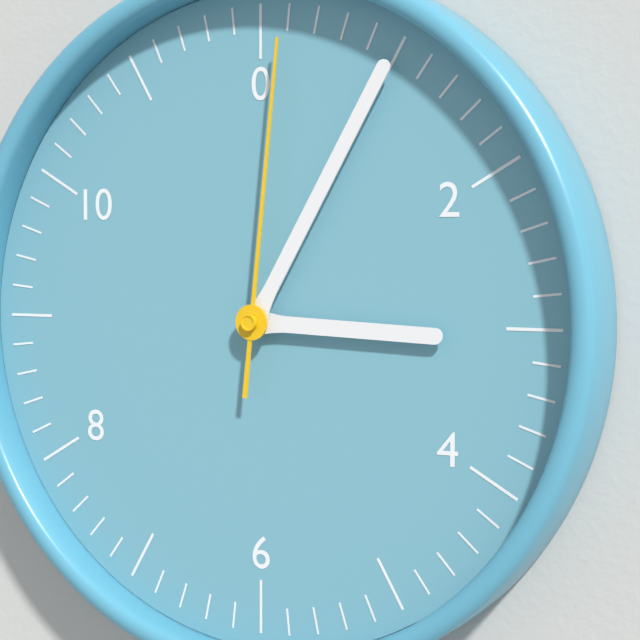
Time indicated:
3h05m01s
